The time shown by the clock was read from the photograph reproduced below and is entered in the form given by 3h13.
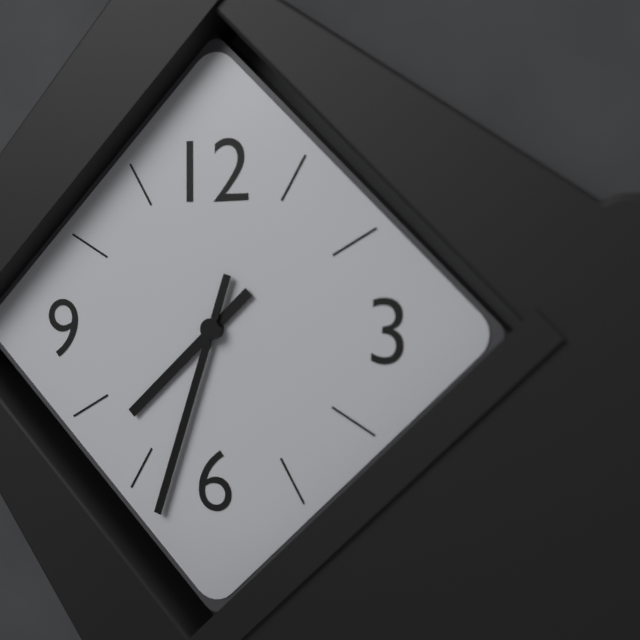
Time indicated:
7h33
